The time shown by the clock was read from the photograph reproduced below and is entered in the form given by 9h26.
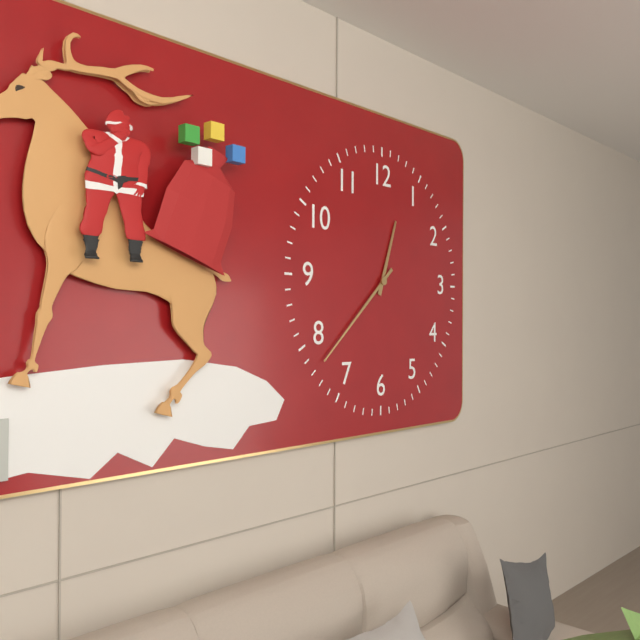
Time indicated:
12h38
